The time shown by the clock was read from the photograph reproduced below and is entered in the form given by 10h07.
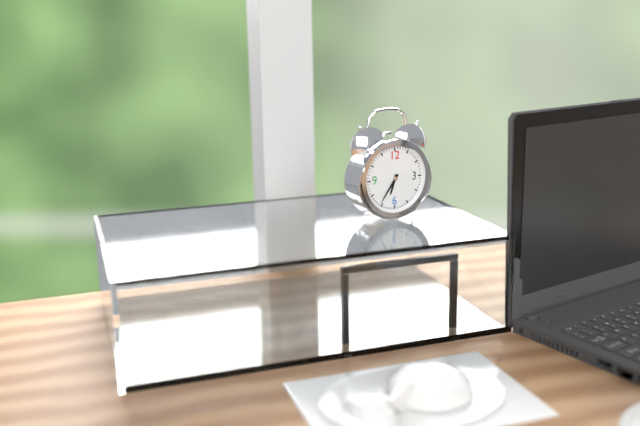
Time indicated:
6h36
